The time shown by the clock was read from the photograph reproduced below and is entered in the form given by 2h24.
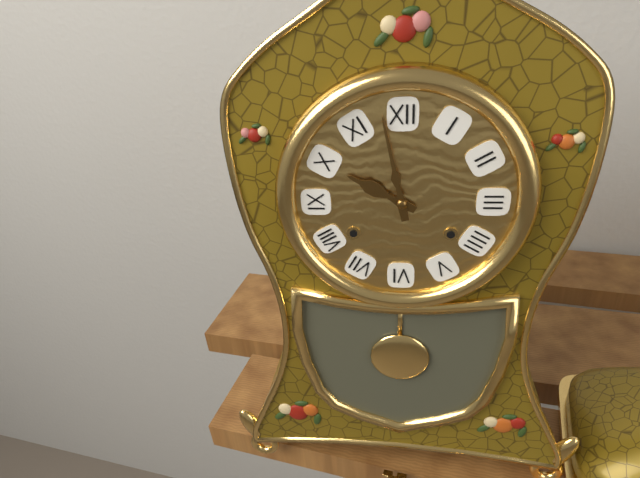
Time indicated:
9h58
